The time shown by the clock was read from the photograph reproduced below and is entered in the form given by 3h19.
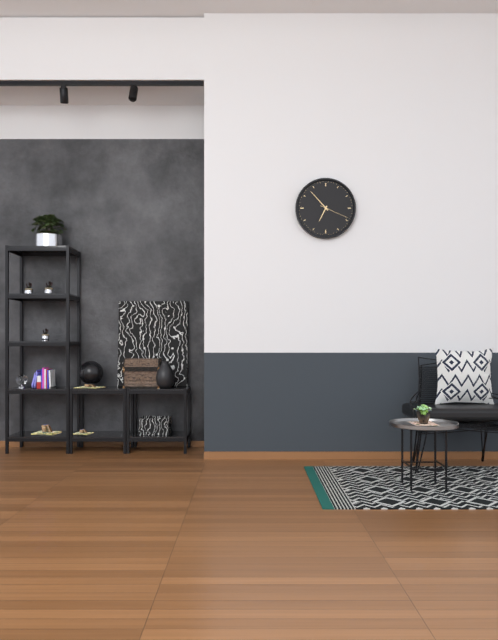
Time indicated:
6h53
